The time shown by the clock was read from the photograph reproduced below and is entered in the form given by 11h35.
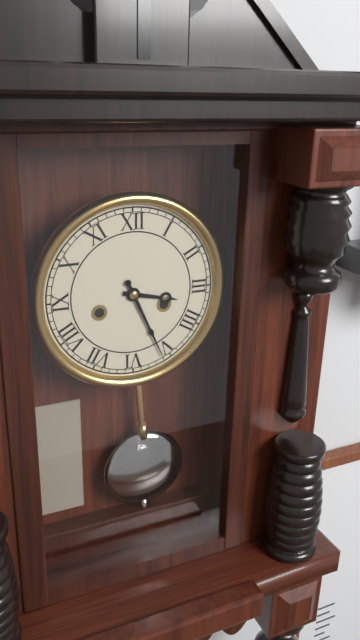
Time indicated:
3h26
